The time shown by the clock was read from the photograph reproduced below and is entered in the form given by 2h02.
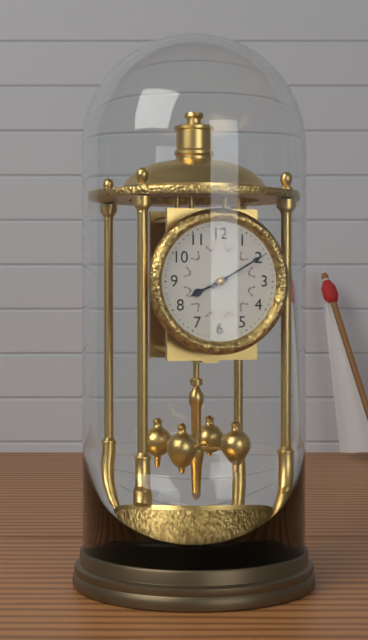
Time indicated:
8h10
